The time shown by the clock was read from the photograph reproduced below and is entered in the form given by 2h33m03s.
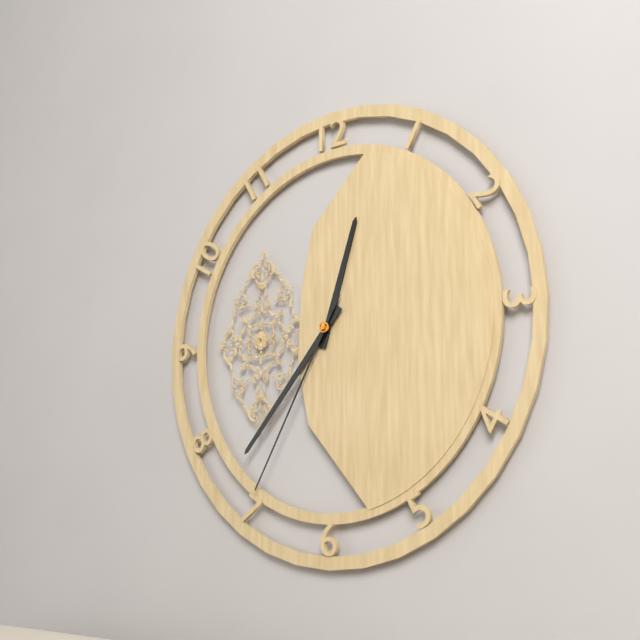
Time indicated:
12h37m35s
